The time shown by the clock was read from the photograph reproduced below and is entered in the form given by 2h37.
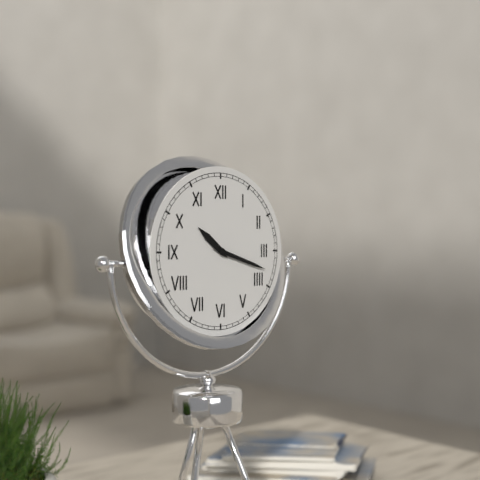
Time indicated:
10h18
